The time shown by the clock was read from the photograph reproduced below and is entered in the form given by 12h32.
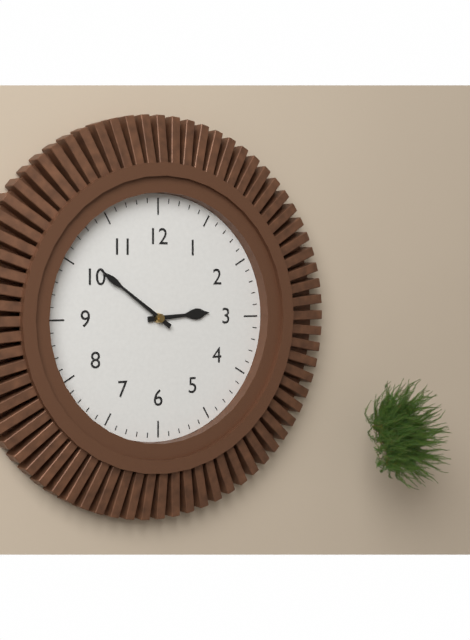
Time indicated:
2h51
